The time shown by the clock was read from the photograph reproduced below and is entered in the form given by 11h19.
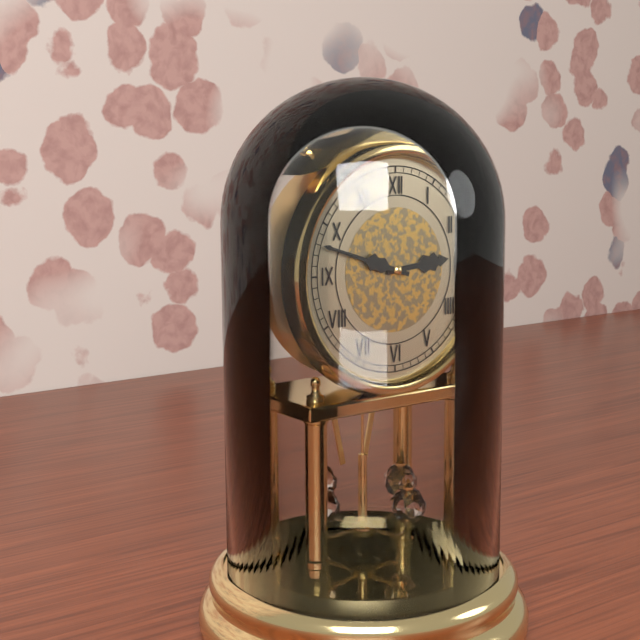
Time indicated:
2h48
